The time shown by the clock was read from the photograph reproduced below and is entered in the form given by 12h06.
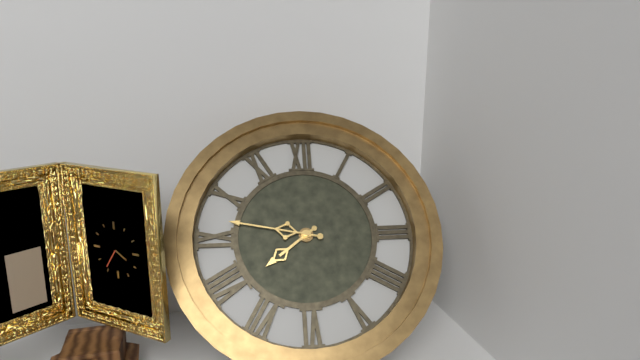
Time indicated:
7h47
